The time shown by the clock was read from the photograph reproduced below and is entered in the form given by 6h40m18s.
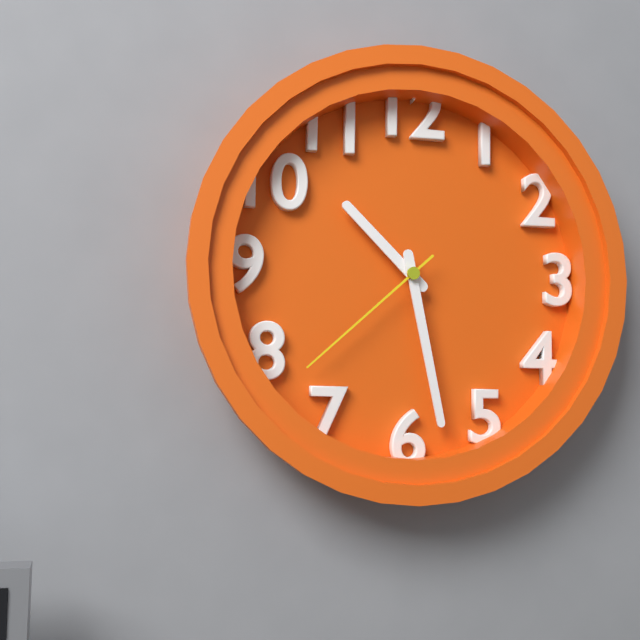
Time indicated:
10h28m38s
